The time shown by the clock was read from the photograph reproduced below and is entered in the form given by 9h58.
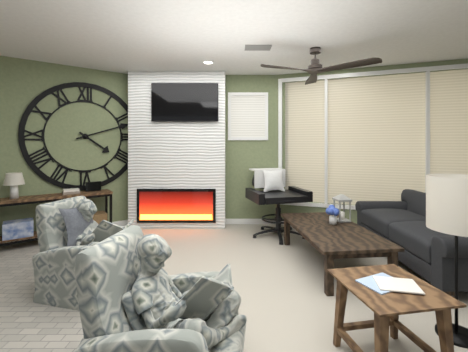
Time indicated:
4h12
